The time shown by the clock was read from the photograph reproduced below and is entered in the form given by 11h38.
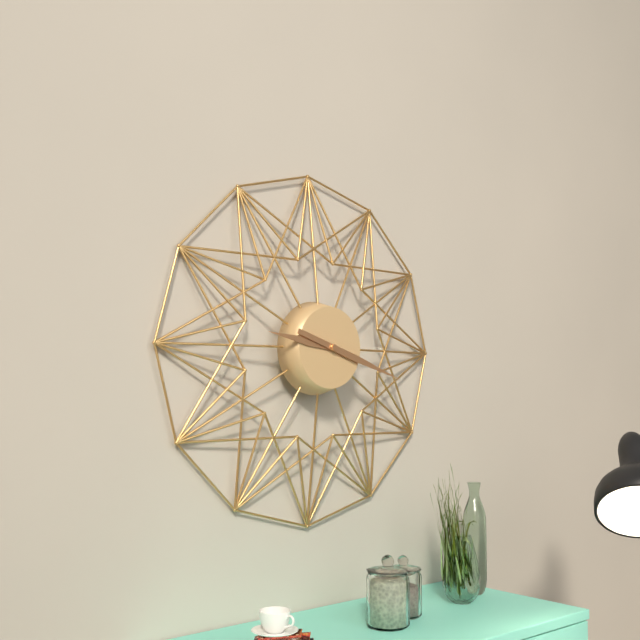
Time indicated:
9h18
